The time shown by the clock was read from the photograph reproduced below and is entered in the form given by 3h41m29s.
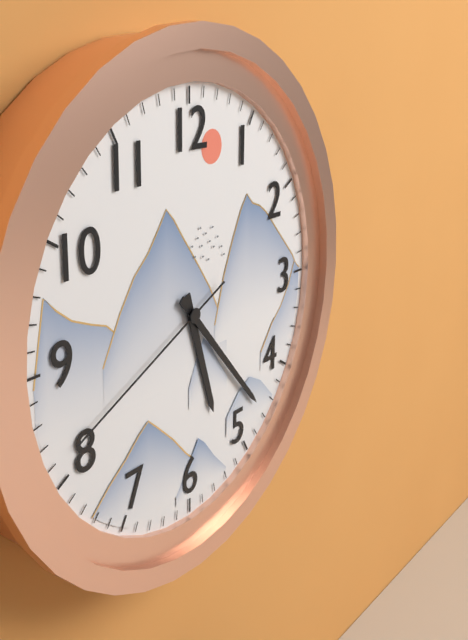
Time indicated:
5h23m41s
